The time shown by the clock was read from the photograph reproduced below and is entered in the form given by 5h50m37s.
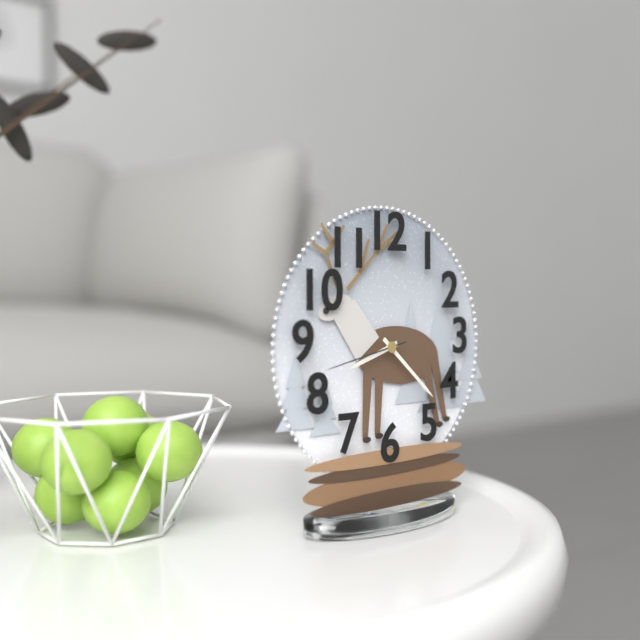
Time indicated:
8h22m43s
